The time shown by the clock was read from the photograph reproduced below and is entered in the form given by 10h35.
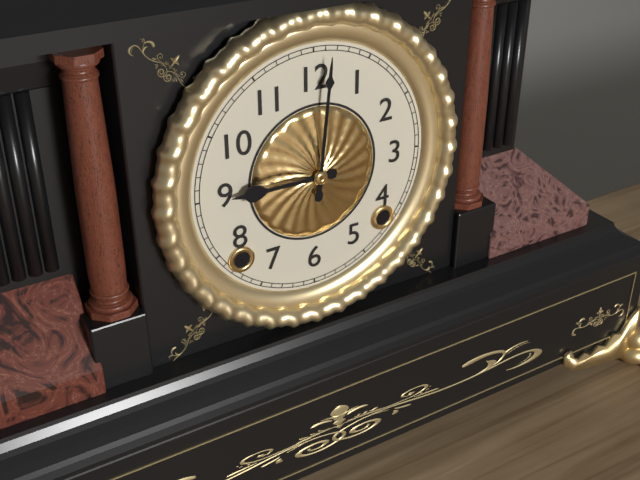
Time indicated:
9h01
